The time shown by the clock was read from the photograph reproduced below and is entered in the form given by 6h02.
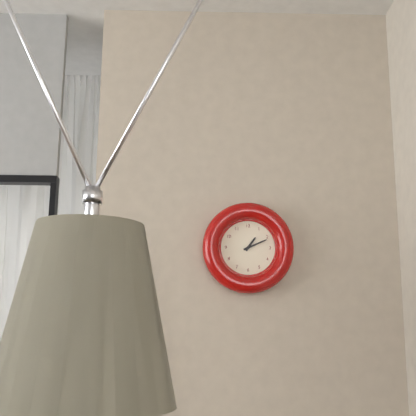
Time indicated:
1h11
